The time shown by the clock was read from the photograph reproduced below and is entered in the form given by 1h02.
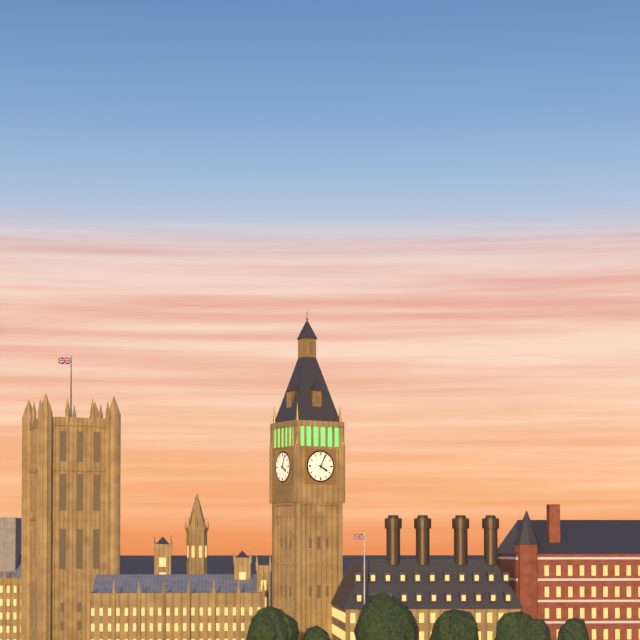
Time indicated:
4h04
